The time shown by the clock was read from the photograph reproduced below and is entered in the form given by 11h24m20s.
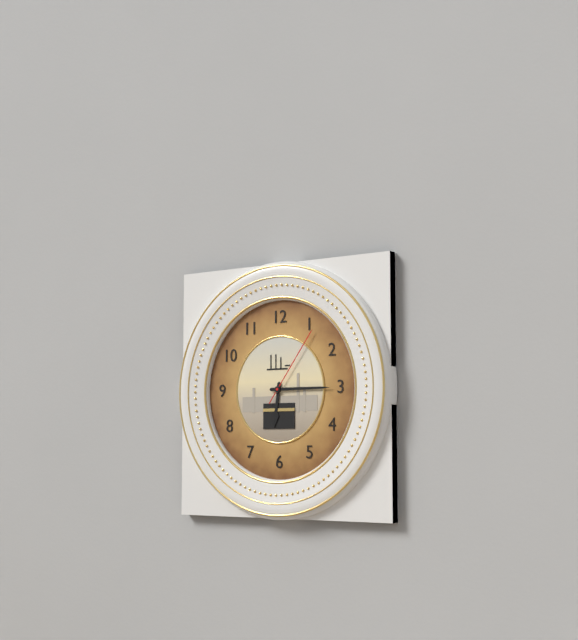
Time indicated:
6h15m06s
